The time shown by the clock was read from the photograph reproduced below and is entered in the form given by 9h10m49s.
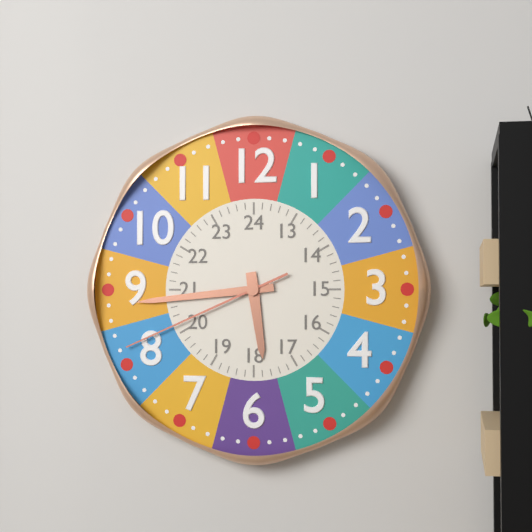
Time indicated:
5h44m41s
